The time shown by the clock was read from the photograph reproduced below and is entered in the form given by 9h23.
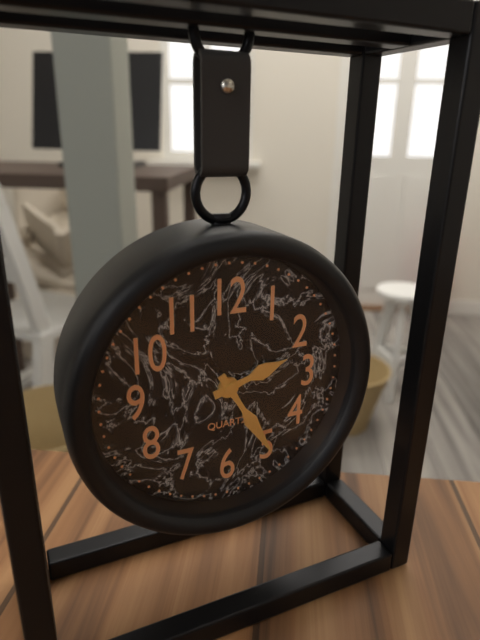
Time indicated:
2h25
